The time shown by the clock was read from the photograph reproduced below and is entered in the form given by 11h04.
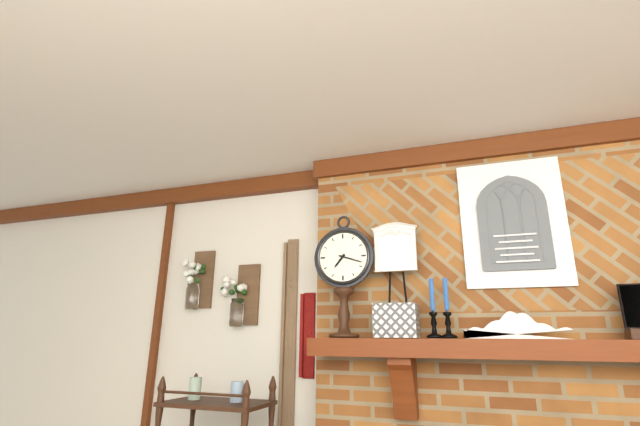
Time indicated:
7h18
